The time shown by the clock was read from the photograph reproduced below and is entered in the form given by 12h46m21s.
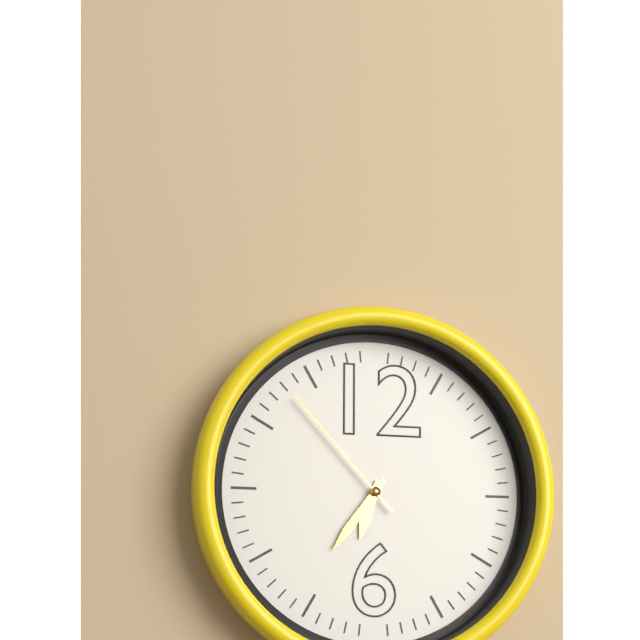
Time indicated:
6h36m53s
